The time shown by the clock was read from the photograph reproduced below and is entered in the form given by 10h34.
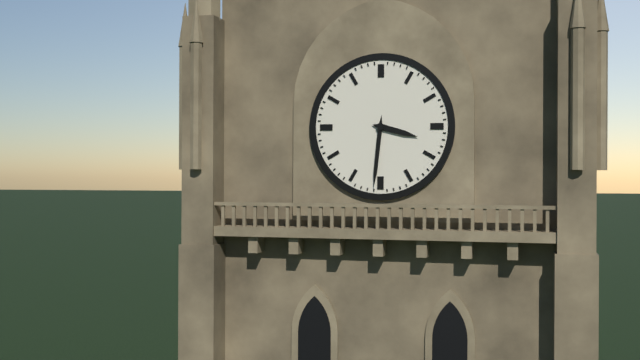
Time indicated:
3h31
